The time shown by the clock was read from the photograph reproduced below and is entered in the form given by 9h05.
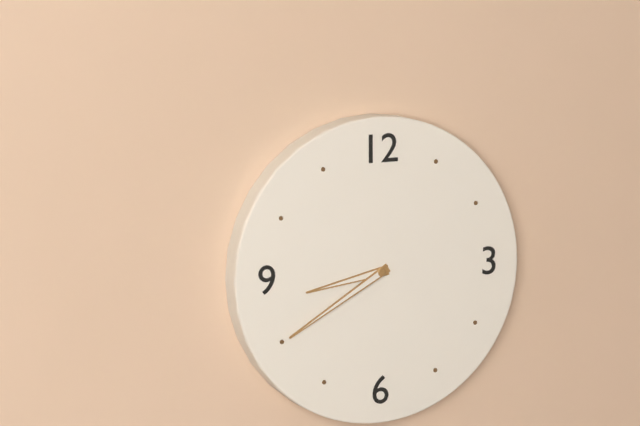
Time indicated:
8h40
